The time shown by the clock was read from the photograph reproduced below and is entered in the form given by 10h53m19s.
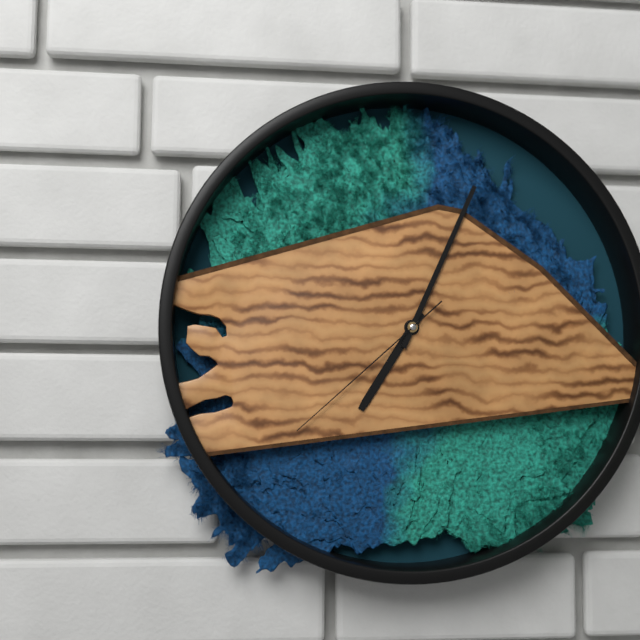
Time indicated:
7h04m38s
